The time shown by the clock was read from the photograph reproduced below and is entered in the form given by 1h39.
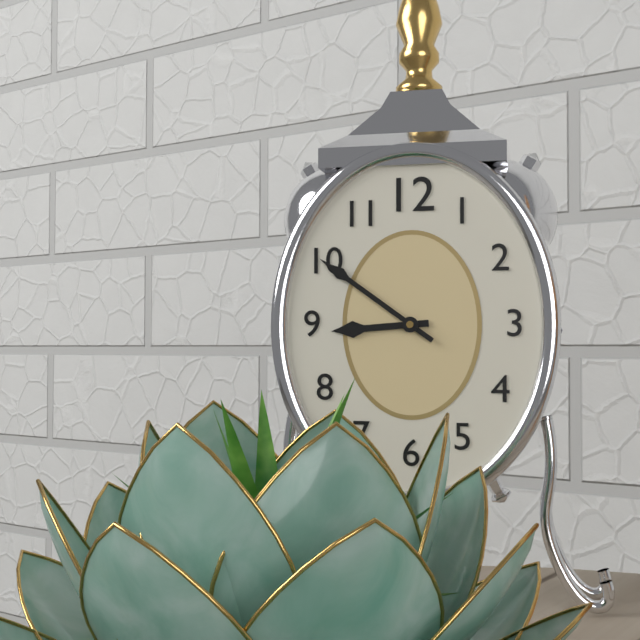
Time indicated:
8h51
